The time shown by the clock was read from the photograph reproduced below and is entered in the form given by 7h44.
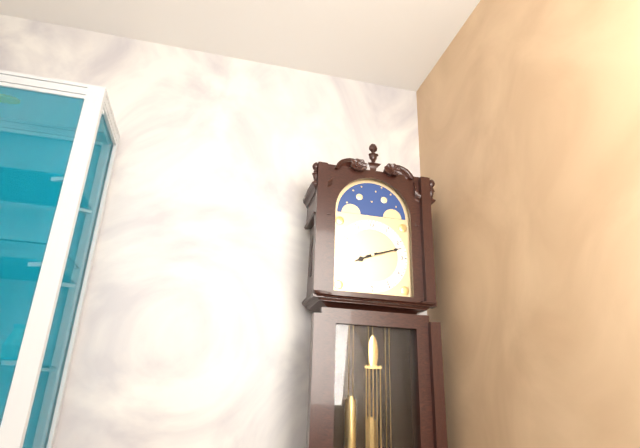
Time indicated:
8h12
